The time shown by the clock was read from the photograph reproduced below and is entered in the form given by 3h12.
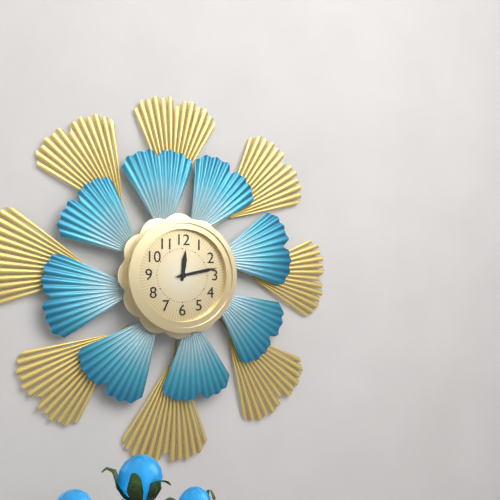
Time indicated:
12h13
